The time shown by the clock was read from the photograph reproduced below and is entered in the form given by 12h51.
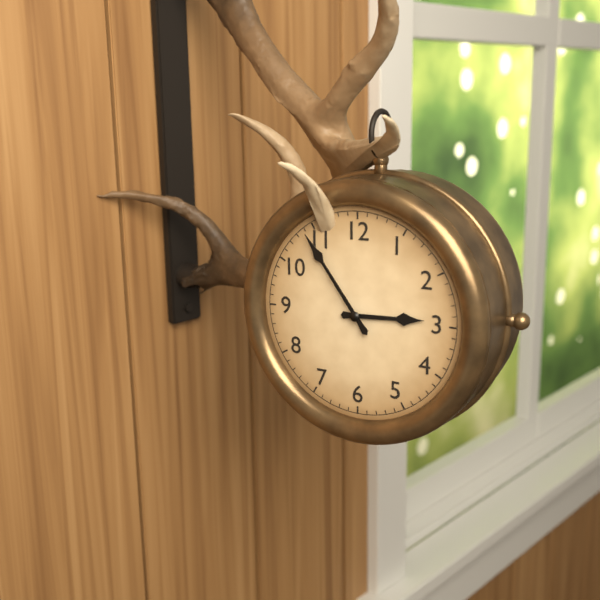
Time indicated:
2h54
